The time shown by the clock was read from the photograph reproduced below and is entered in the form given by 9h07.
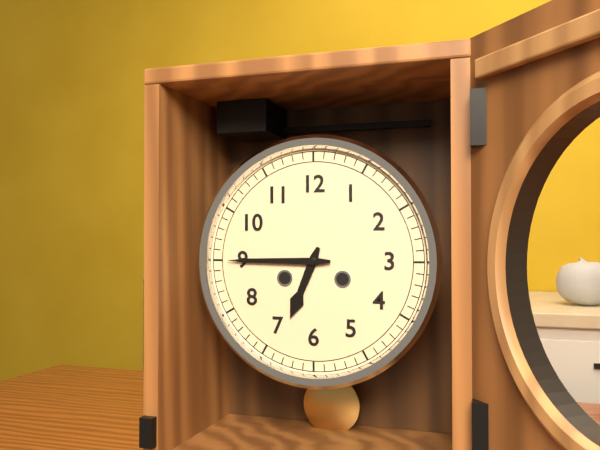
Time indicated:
6h45
